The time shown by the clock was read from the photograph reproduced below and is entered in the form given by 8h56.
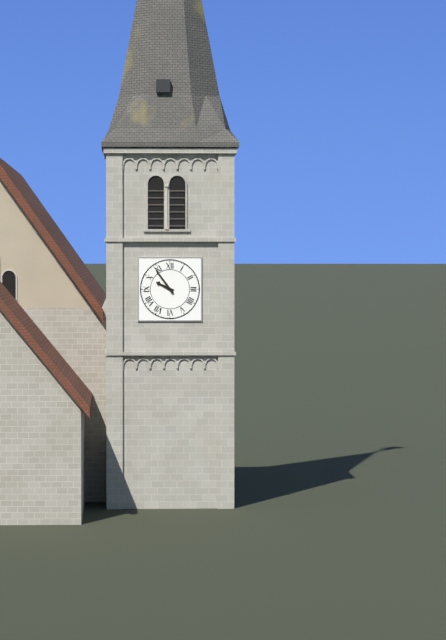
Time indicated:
9h54
